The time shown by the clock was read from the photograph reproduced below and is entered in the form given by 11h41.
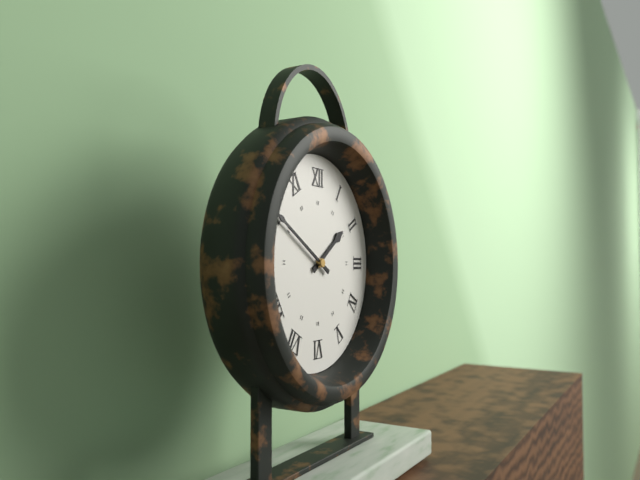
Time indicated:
1h50
